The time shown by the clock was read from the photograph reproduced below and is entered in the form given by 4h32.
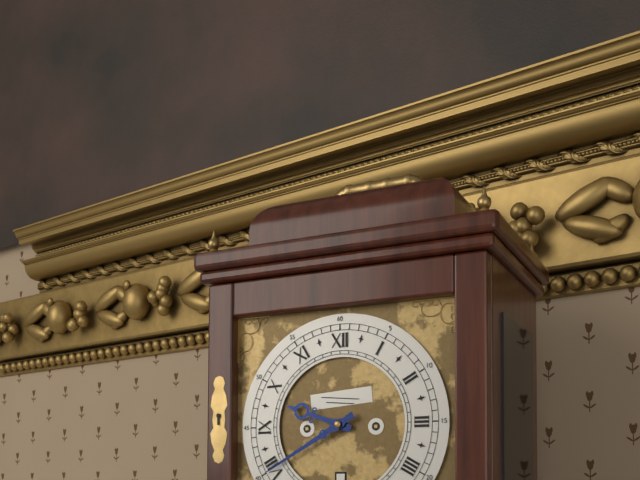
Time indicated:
9h40
